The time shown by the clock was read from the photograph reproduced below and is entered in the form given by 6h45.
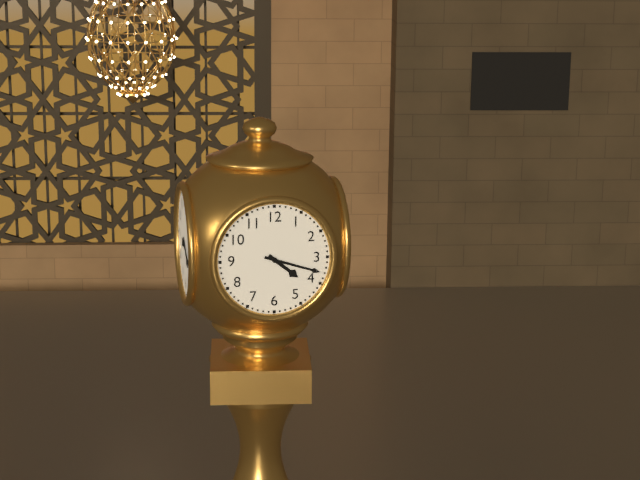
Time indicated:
4h18
